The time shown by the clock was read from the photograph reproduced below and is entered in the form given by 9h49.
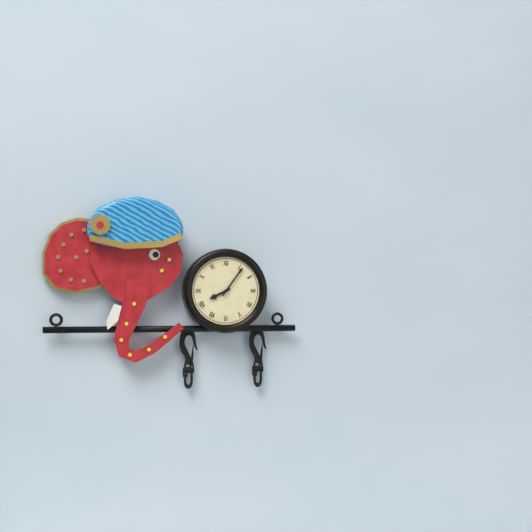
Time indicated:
8h06
